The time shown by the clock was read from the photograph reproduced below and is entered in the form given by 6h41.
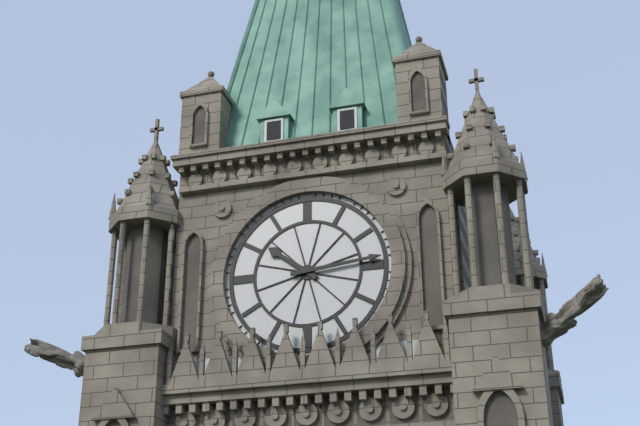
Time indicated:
10h14
